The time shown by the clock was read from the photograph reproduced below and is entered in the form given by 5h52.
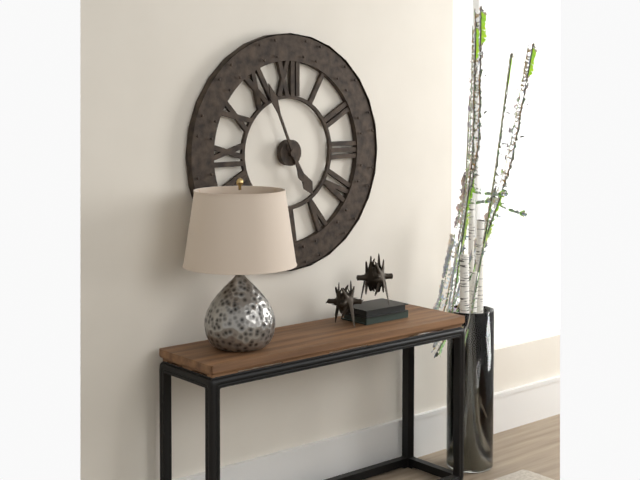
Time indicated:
4h56
